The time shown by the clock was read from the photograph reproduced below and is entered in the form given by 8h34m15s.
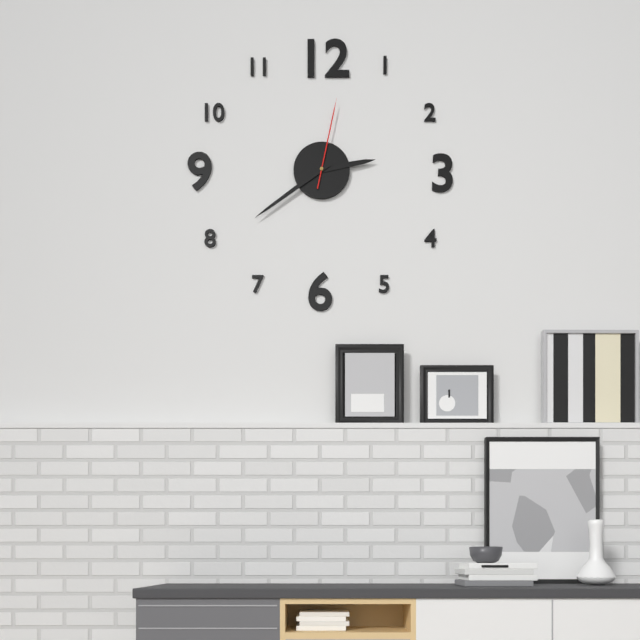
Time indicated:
2h39m02s
